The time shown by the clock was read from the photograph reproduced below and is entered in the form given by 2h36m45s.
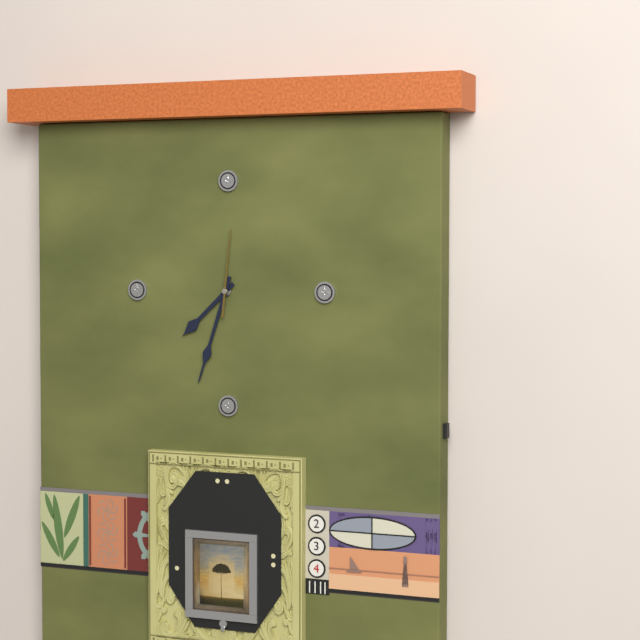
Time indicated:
7h33m01s
